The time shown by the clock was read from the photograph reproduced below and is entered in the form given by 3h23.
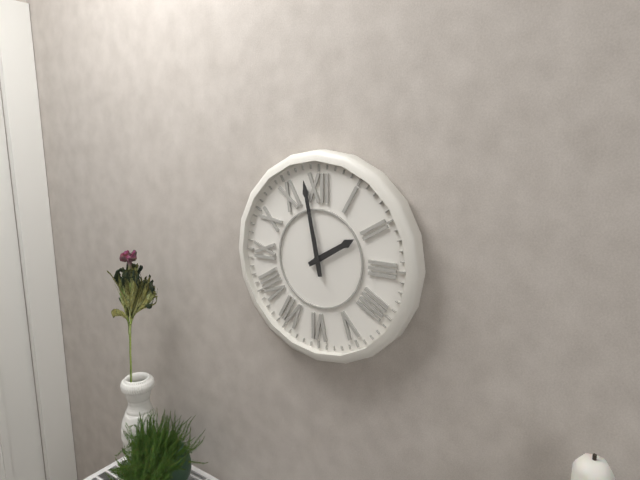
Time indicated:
1h58
